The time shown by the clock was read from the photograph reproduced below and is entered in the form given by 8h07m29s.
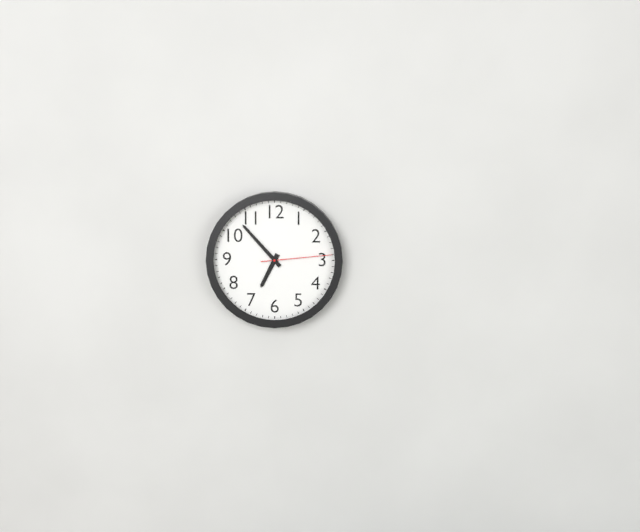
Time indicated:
6h53m14s
